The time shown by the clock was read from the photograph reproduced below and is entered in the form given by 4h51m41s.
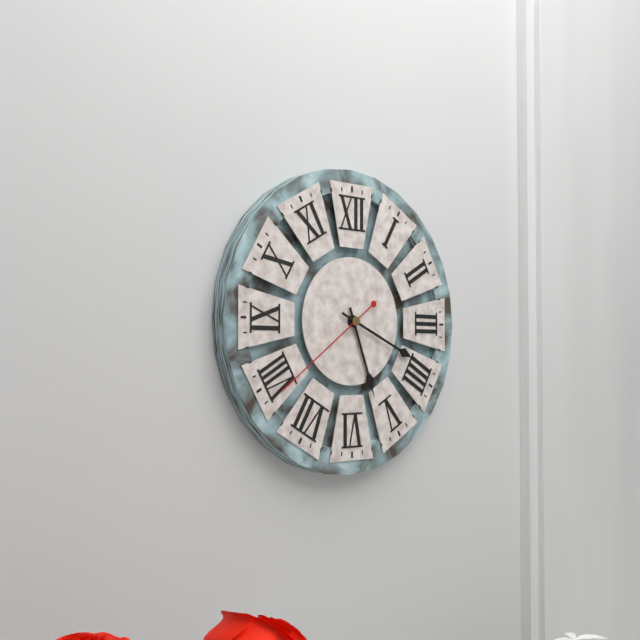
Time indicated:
5h19m39s
